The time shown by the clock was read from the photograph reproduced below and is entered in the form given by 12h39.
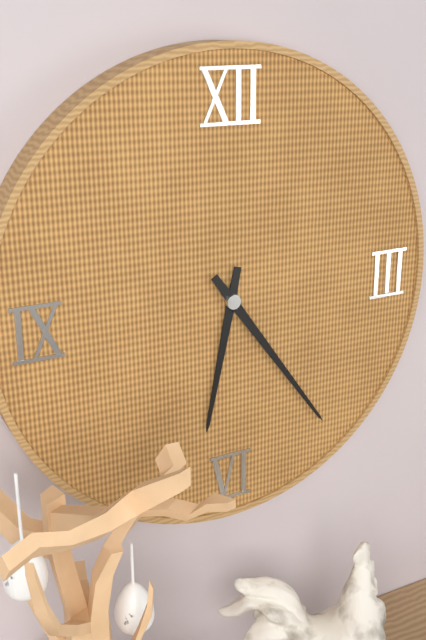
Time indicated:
6h24
